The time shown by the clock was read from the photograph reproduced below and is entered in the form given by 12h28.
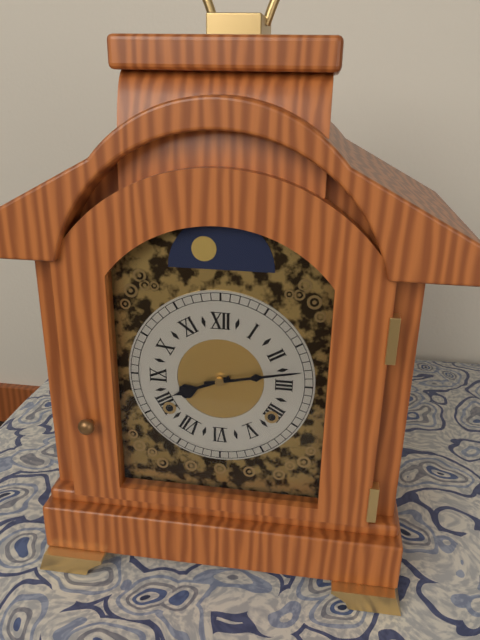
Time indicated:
8h13
